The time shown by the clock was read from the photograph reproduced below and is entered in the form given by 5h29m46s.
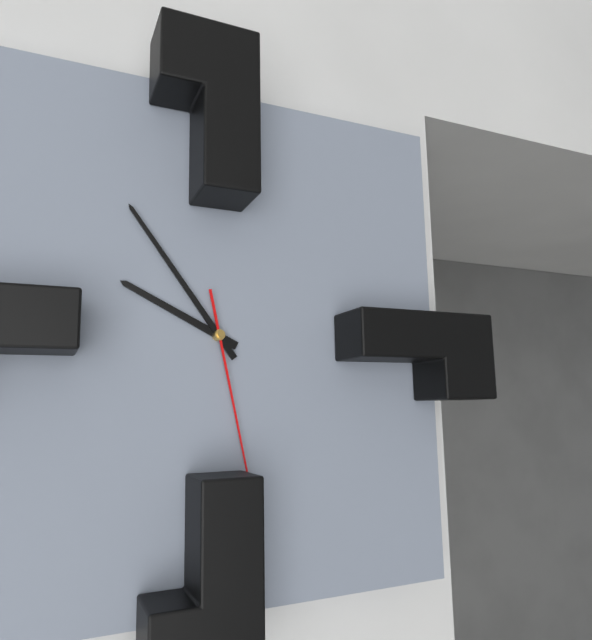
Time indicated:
9h54m28s
